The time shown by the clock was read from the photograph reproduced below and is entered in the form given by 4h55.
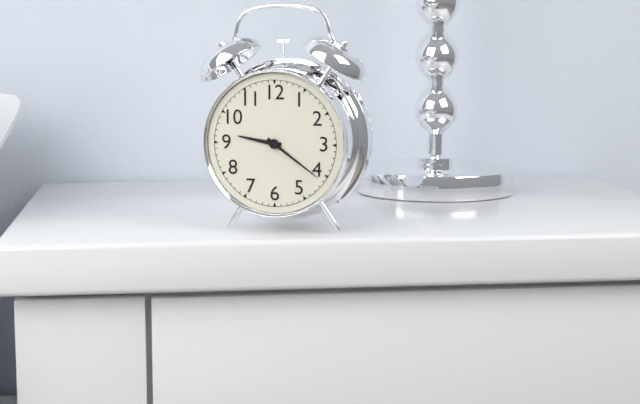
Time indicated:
9h21
